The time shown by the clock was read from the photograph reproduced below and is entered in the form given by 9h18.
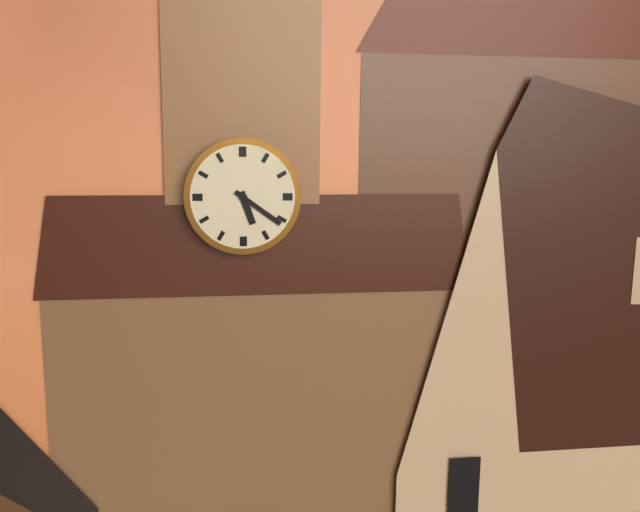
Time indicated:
5h21
